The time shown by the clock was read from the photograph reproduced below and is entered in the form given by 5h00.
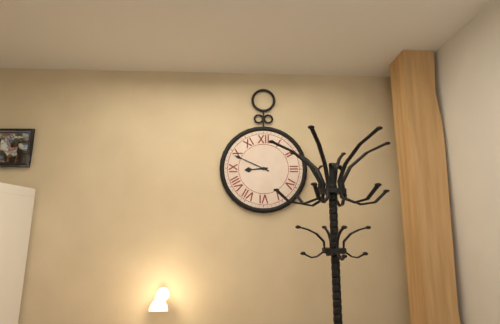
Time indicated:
8h49
